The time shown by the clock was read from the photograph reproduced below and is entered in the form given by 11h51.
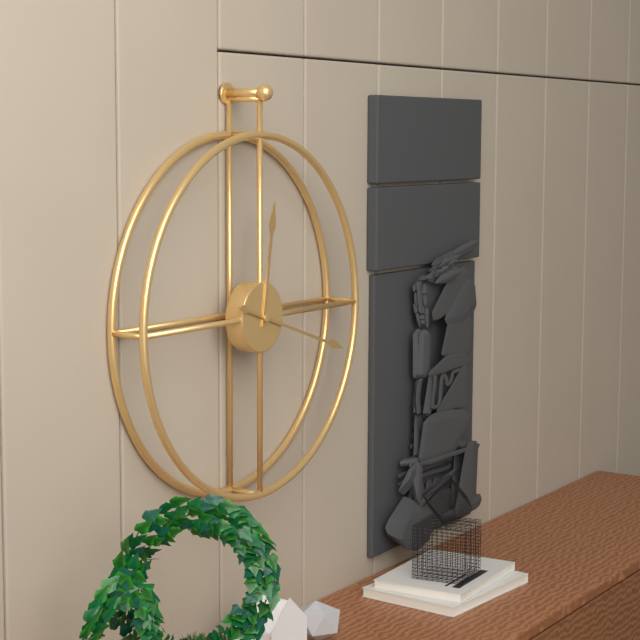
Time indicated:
12h18
